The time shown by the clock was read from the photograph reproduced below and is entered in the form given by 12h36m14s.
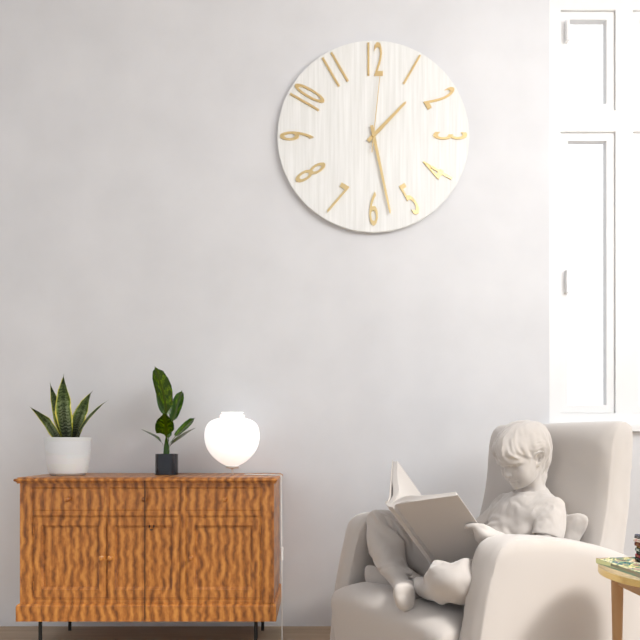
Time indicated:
1h28m01s
